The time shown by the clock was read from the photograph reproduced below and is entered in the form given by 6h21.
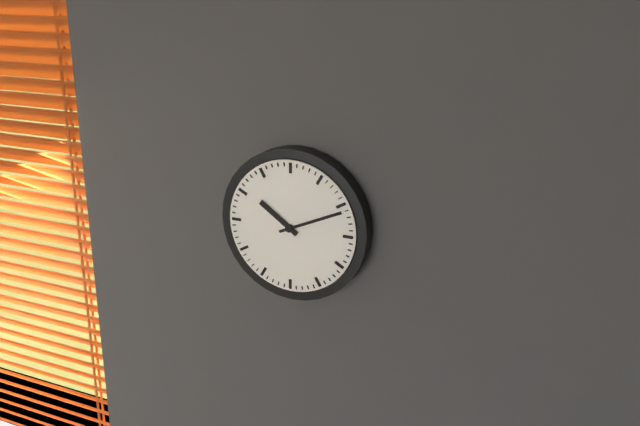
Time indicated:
10h11
